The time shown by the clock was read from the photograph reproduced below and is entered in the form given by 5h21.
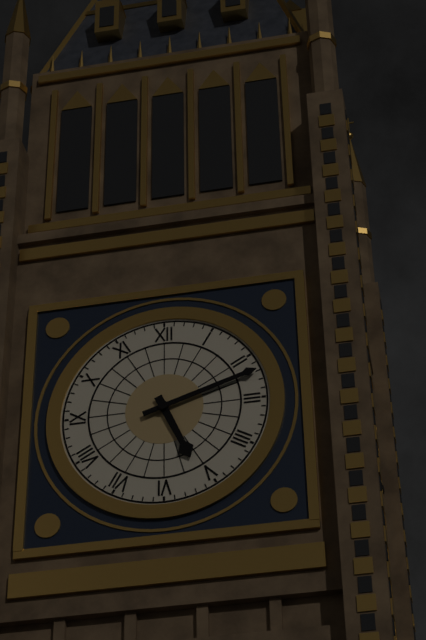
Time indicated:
5h12
